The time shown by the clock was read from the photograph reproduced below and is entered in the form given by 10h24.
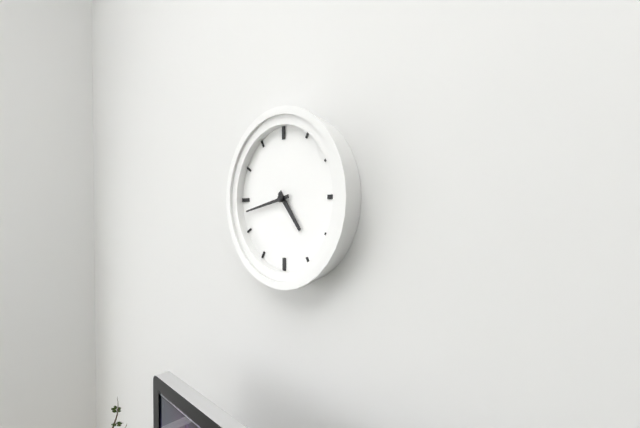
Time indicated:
4h43
